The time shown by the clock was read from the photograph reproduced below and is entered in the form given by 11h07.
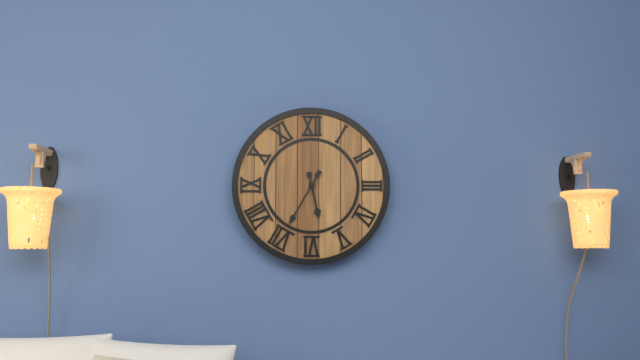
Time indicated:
5h35
